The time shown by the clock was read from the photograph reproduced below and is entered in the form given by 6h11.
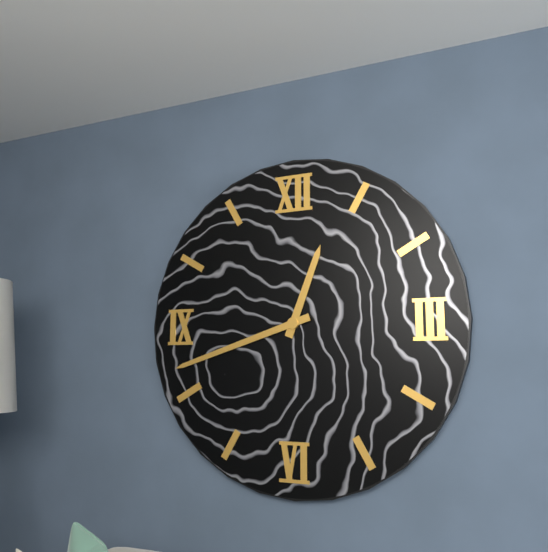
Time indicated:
12h42
